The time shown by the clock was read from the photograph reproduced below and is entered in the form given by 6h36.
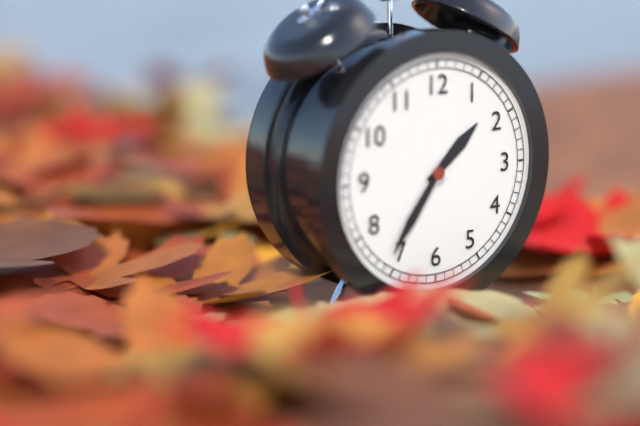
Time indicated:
1h36
